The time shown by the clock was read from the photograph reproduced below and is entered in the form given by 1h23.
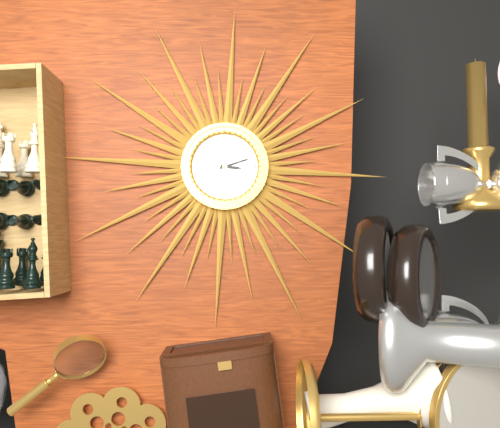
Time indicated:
3h12
